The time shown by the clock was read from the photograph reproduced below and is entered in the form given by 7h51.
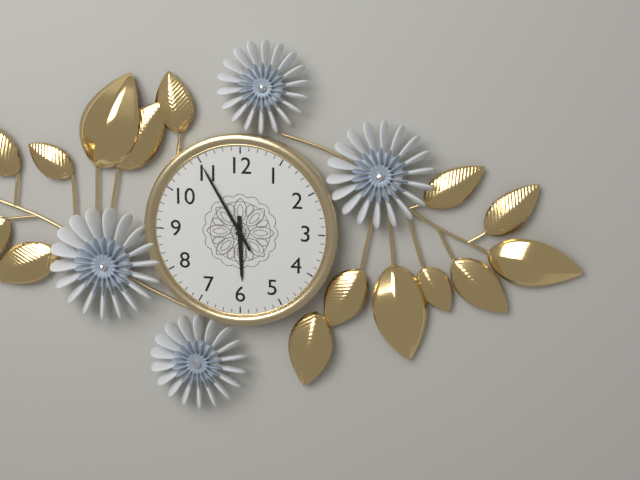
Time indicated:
5h55
